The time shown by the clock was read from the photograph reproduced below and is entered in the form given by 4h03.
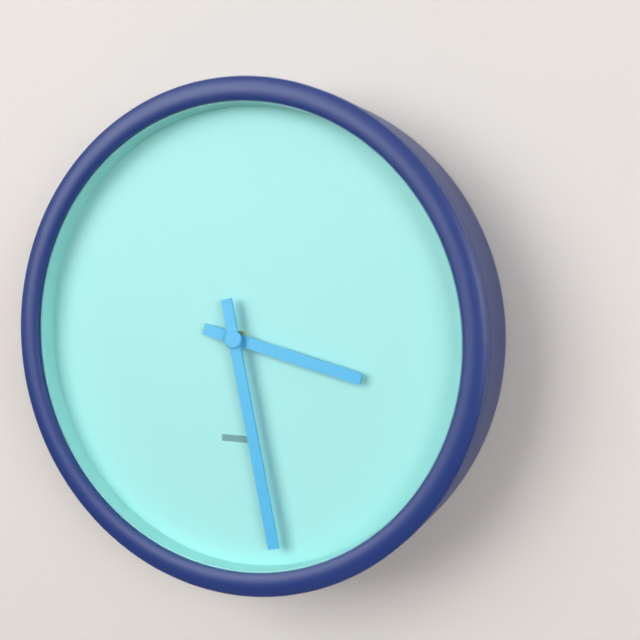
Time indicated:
3h28
